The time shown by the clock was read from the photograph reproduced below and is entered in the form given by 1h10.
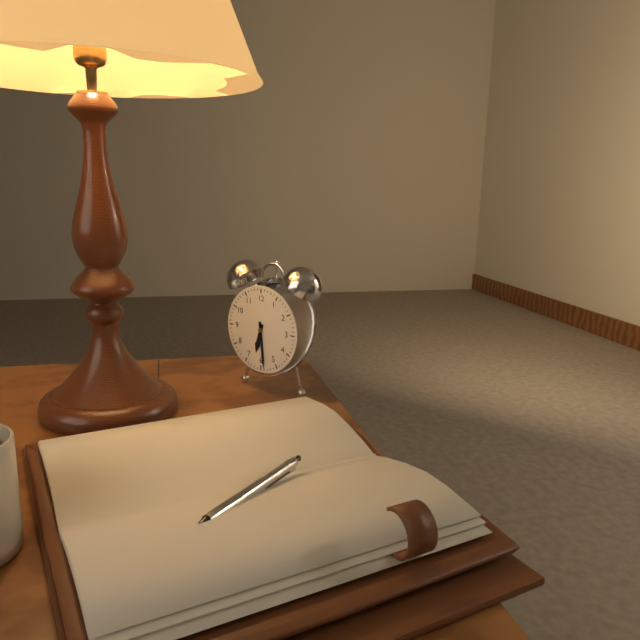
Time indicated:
6h29
